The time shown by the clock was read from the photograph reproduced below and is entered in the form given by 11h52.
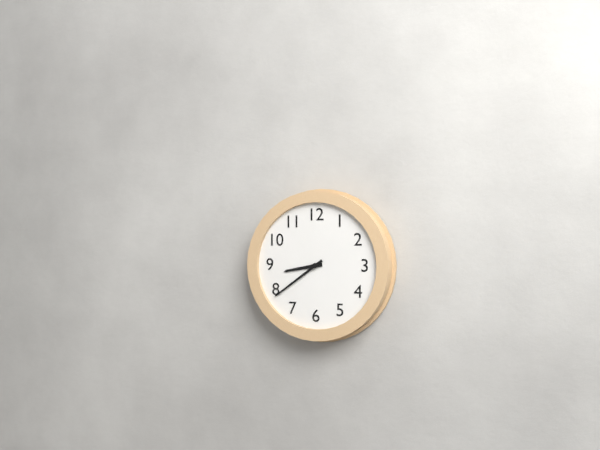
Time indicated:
8h39
